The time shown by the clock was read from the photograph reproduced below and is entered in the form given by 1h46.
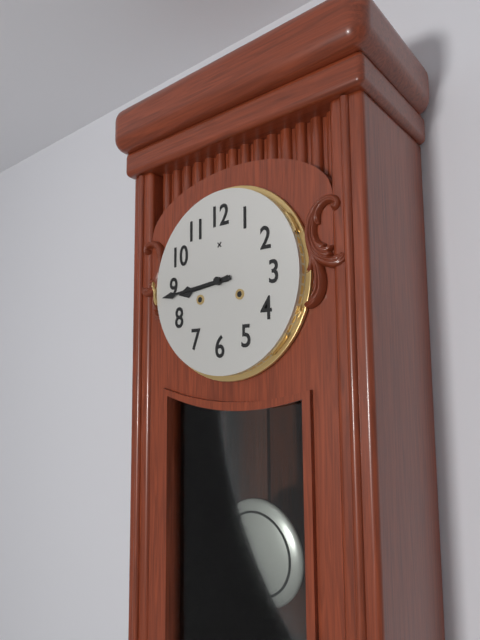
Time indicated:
8h44
